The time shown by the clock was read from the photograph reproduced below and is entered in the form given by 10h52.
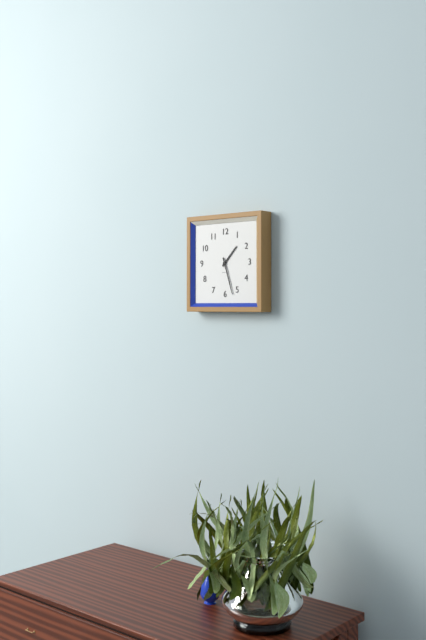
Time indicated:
1h27
